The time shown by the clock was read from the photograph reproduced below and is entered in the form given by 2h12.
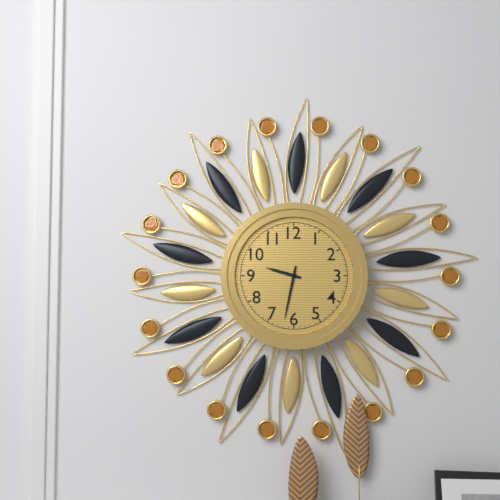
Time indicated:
9h32
